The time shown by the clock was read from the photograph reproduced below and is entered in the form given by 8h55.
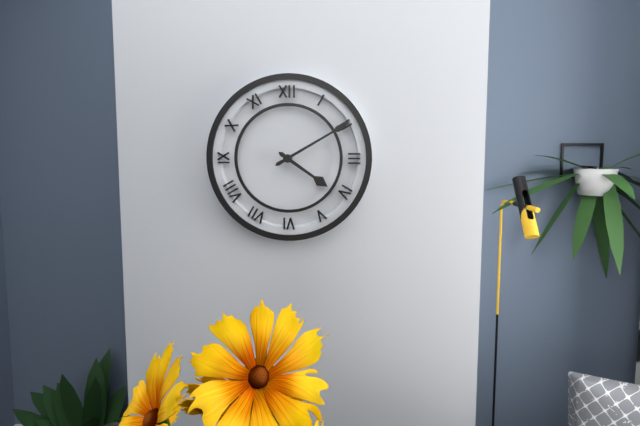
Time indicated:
4h10
